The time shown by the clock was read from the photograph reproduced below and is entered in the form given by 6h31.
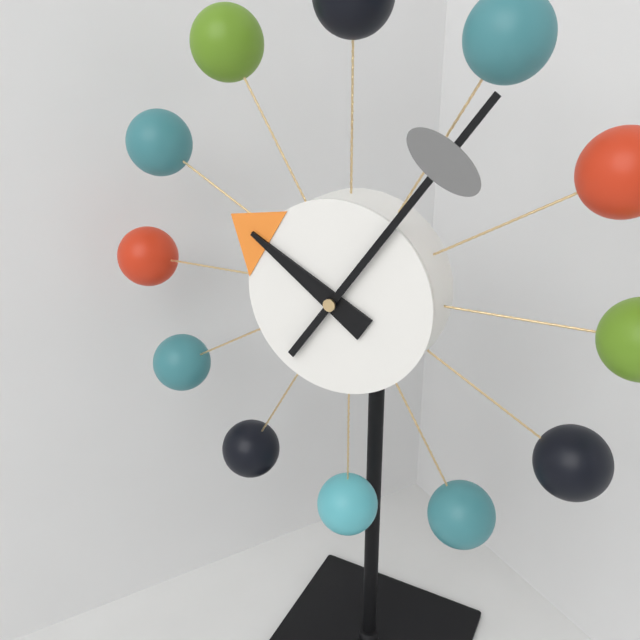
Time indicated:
10h06
